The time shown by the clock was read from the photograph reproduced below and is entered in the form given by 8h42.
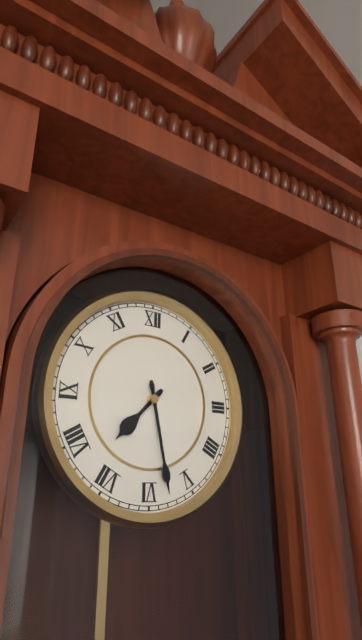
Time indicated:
7h28
